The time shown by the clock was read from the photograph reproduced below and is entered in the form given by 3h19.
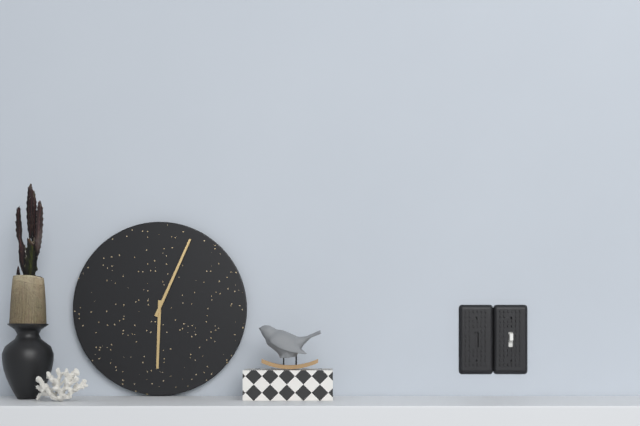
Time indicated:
6h04
